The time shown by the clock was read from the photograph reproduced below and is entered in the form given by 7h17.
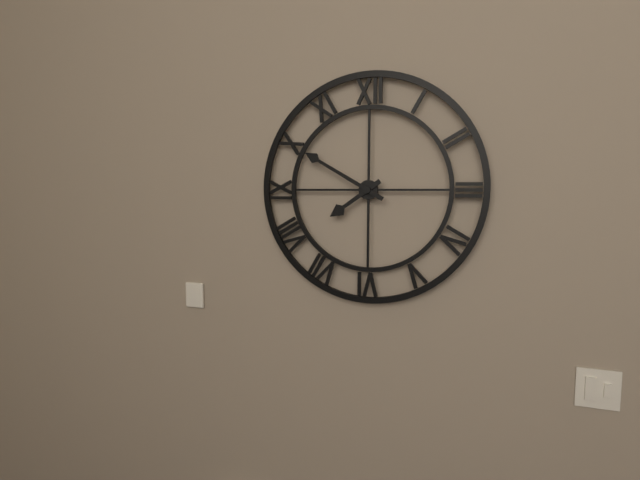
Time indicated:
7h50
